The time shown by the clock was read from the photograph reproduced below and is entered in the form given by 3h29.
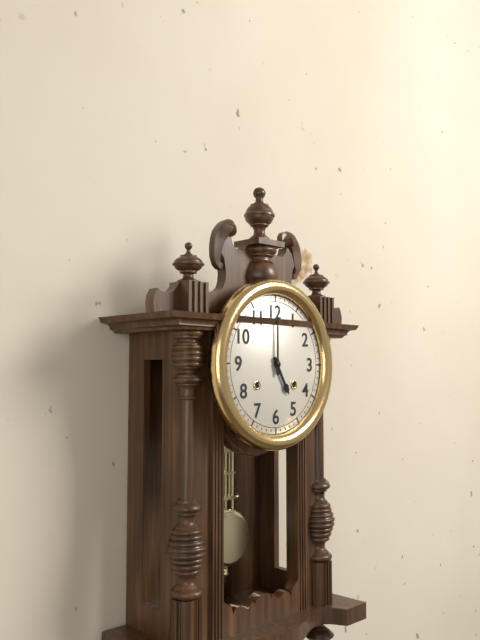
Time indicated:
5h00
